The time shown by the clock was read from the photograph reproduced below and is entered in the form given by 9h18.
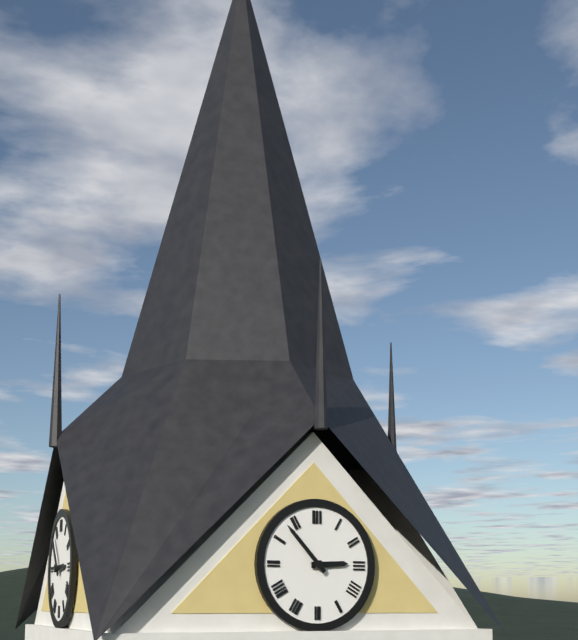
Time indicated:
2h53
